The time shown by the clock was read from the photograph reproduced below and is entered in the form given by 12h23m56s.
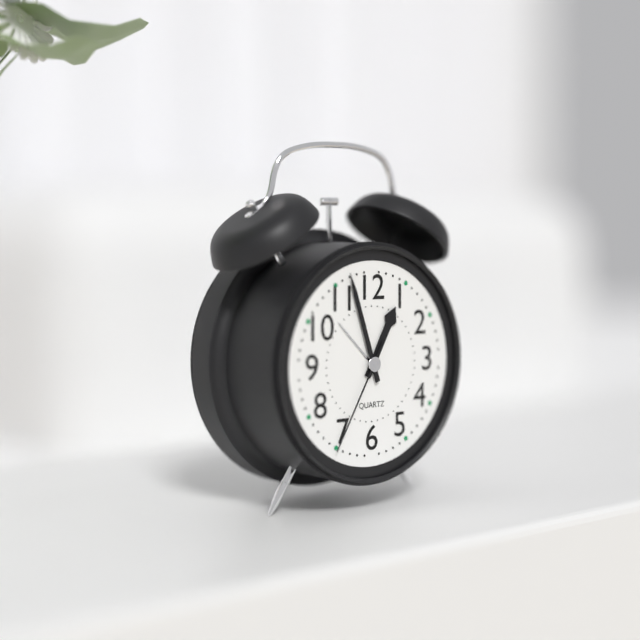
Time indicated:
12h57m35s
